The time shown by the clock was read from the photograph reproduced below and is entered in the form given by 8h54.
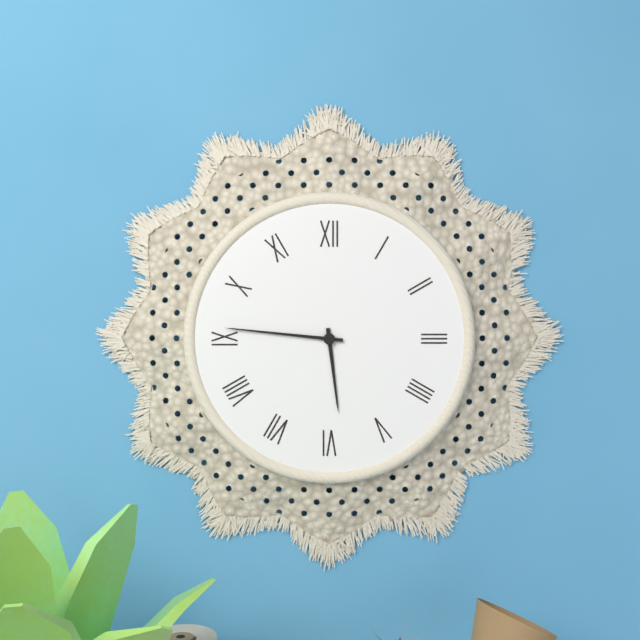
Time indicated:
5h46
